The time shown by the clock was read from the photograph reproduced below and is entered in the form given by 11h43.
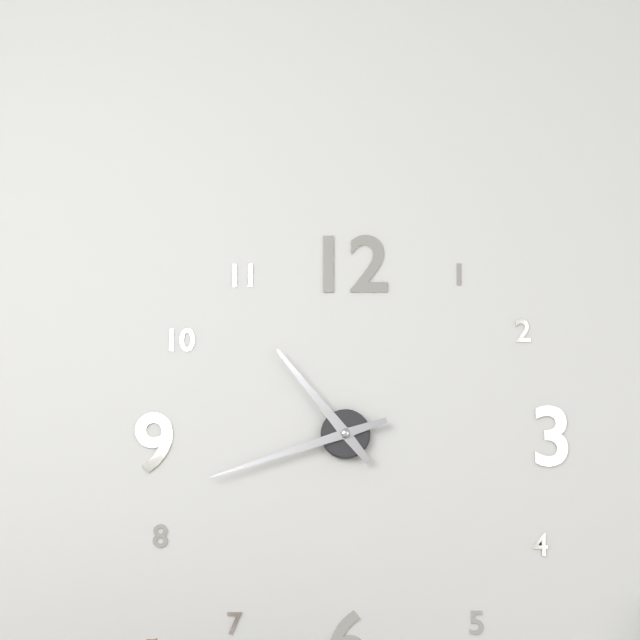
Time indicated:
10h42
